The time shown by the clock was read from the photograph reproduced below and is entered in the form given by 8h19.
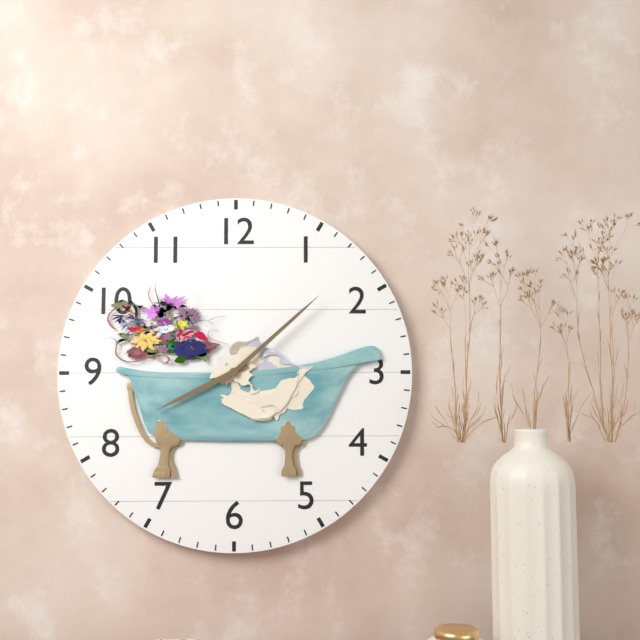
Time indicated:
8h08
